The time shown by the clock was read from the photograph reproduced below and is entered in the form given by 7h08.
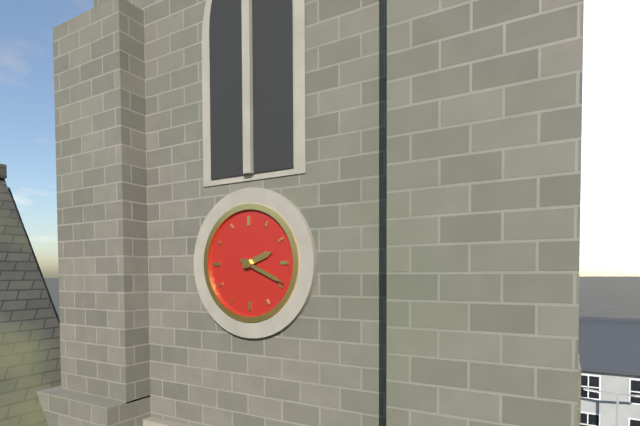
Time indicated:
2h19
